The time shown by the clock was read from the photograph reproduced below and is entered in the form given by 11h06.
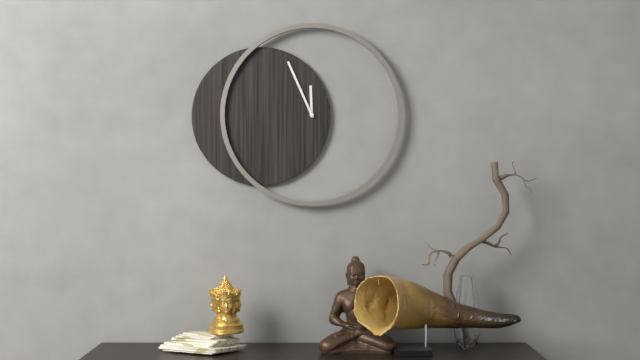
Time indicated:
11h56
